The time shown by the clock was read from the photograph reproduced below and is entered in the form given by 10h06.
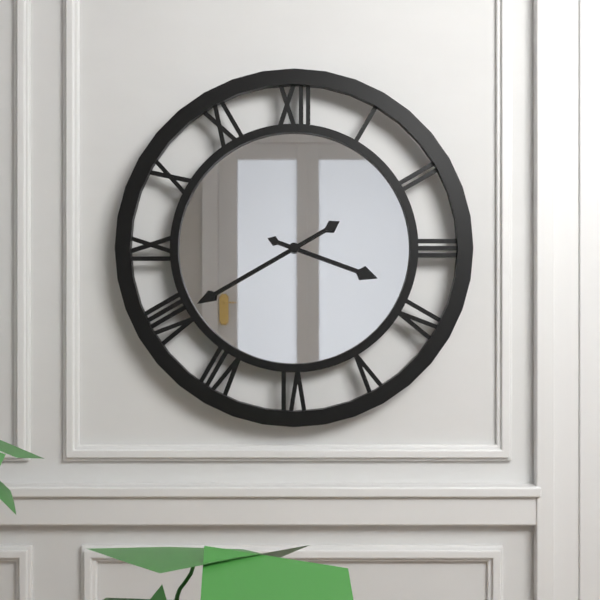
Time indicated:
3h40
